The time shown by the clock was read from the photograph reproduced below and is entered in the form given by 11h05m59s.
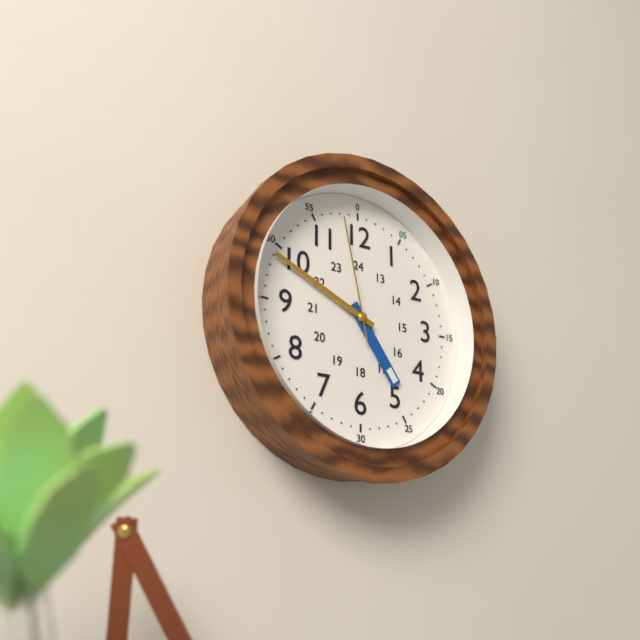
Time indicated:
4h49m58s
